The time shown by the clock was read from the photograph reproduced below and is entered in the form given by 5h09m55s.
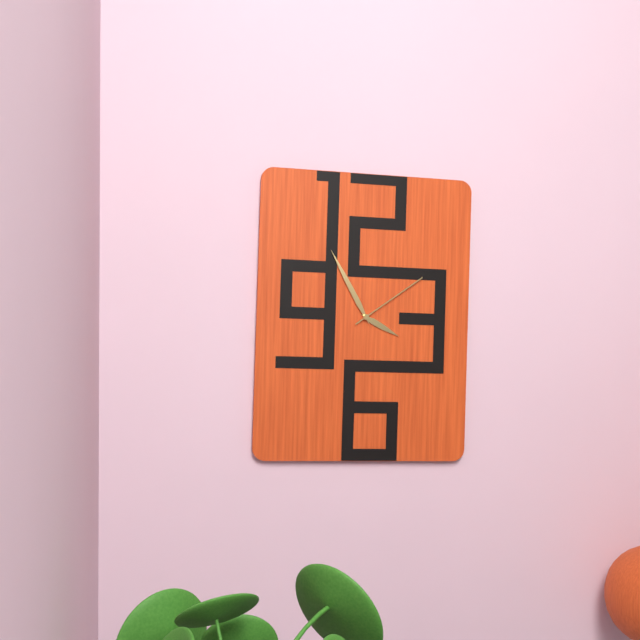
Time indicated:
3h55m09s
